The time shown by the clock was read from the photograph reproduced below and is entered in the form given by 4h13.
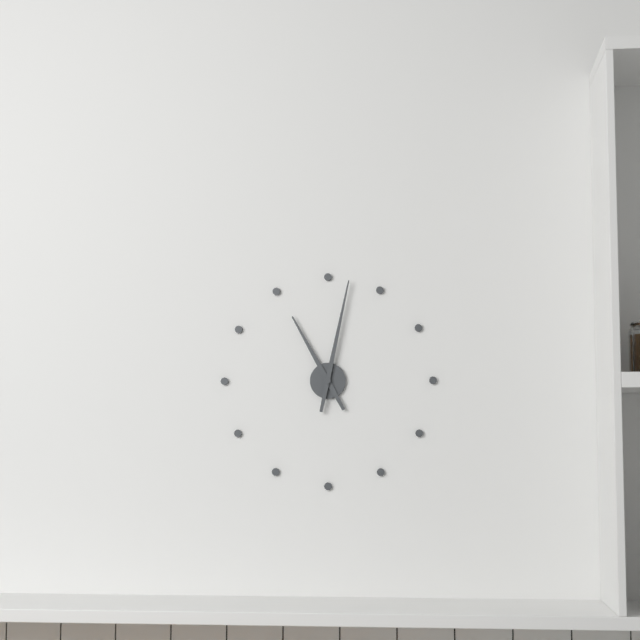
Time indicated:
11h02
